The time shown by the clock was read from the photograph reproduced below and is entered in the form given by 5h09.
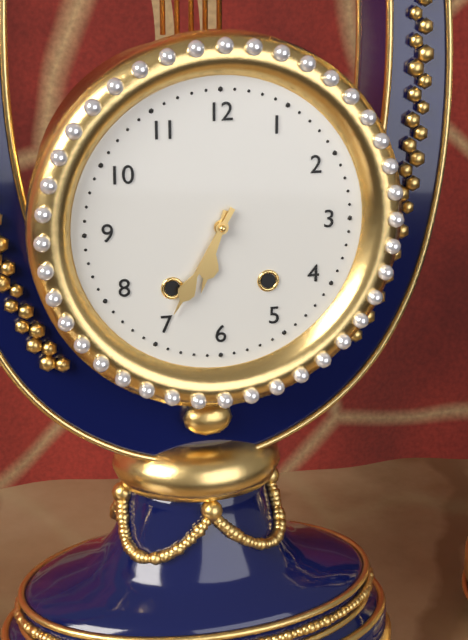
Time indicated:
6h35
